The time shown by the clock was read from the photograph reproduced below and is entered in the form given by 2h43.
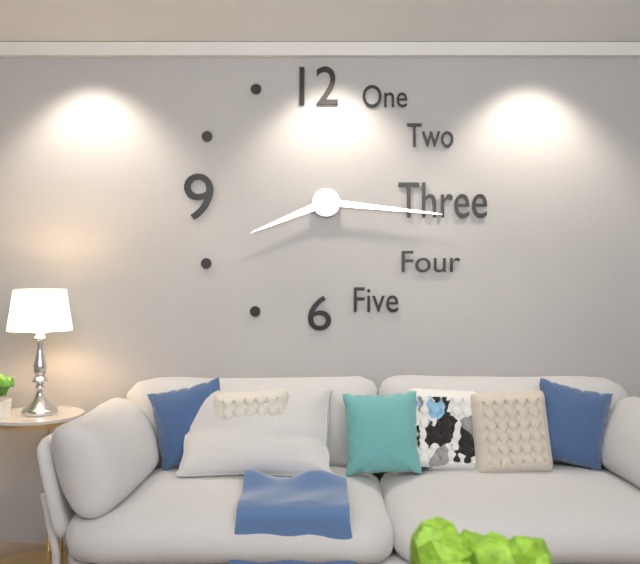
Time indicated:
8h16
